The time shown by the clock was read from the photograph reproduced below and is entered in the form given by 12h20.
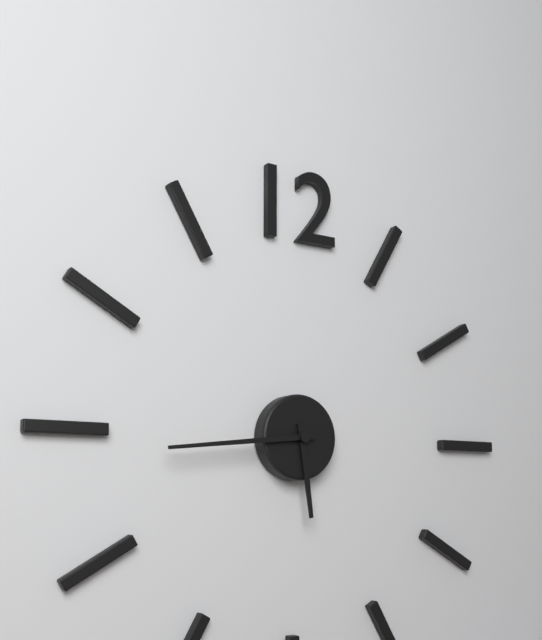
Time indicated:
5h44
